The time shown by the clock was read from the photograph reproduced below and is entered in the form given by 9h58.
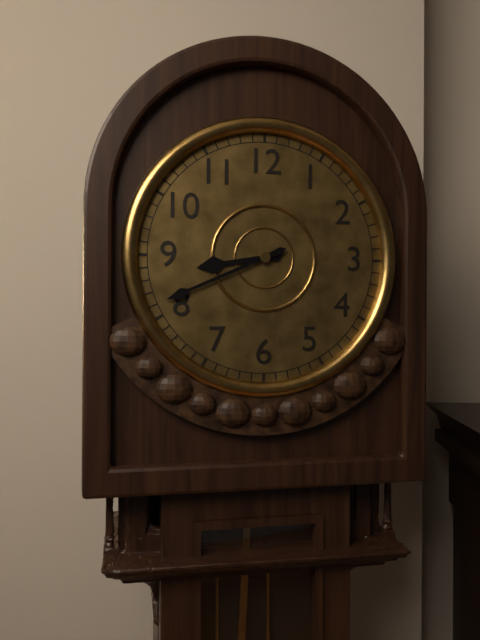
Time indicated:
8h41
